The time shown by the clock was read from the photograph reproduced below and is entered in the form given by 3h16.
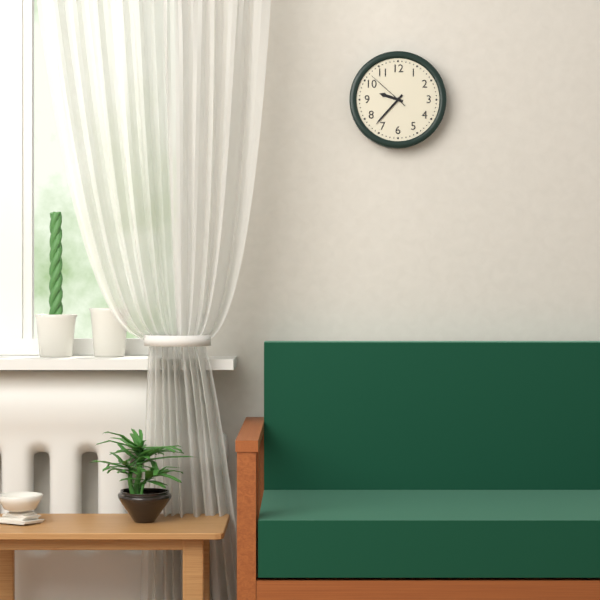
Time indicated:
9h37
